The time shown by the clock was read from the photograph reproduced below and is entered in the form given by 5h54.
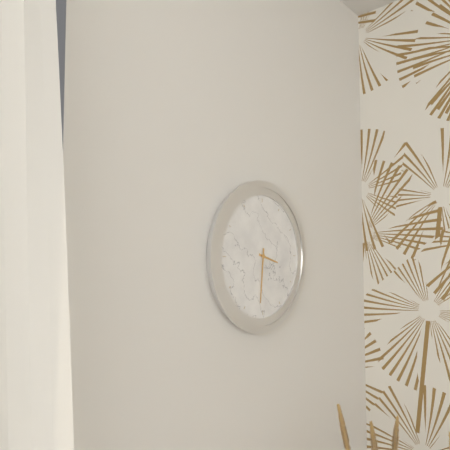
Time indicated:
3h31
